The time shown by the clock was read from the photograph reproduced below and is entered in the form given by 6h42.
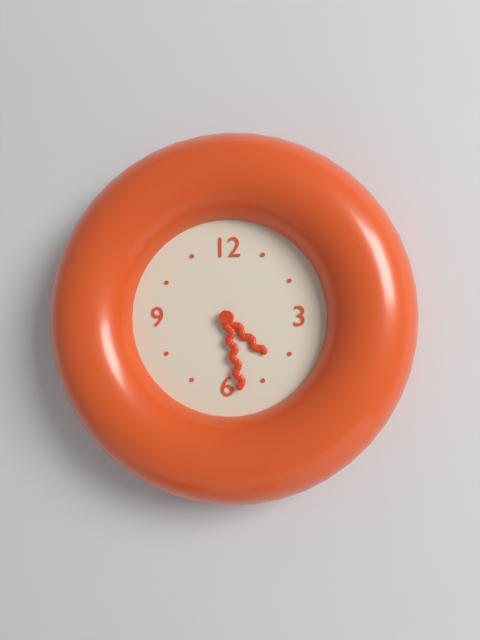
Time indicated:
4h28
